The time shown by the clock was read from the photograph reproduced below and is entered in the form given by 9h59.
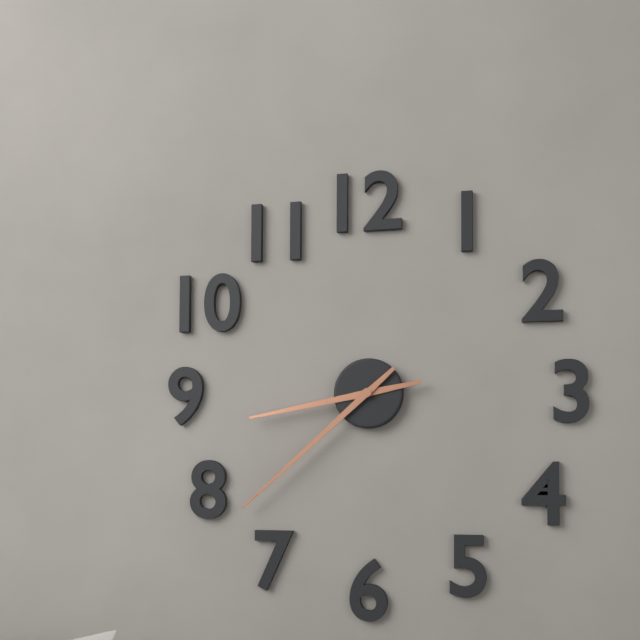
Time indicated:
8h38
